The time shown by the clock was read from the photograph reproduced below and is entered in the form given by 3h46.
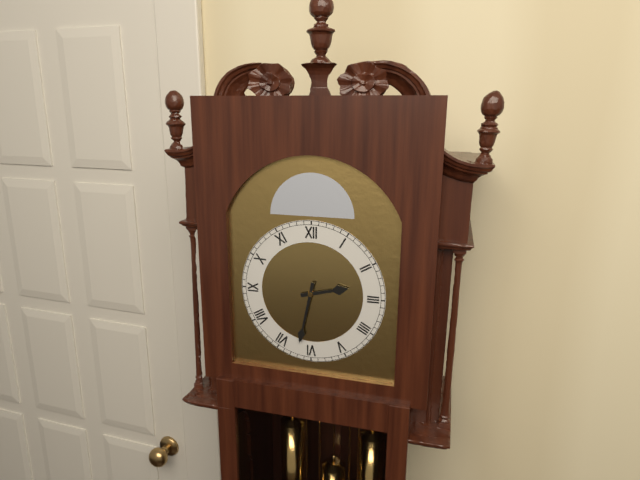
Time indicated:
2h32
